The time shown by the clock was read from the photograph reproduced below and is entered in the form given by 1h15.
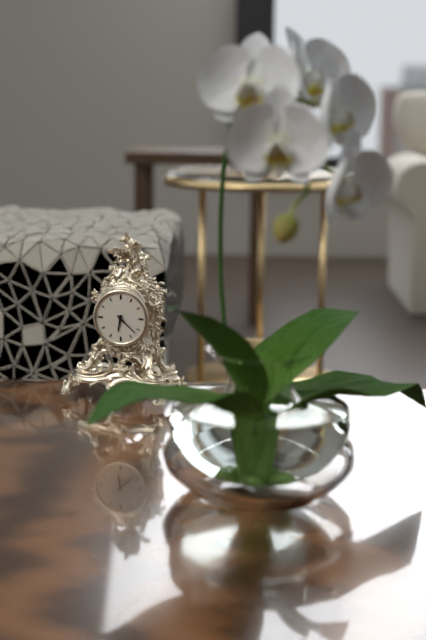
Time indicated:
6h22
